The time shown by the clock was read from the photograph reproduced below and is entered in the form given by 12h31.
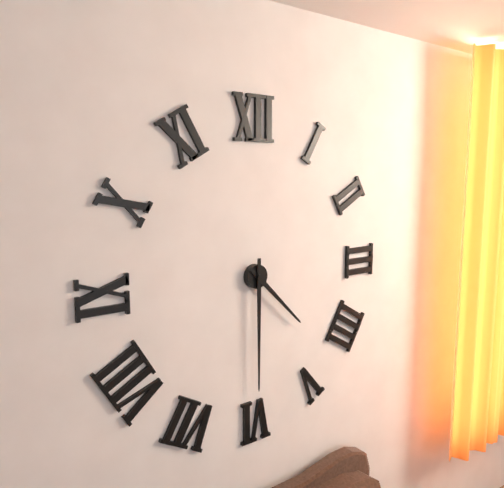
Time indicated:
4h30
